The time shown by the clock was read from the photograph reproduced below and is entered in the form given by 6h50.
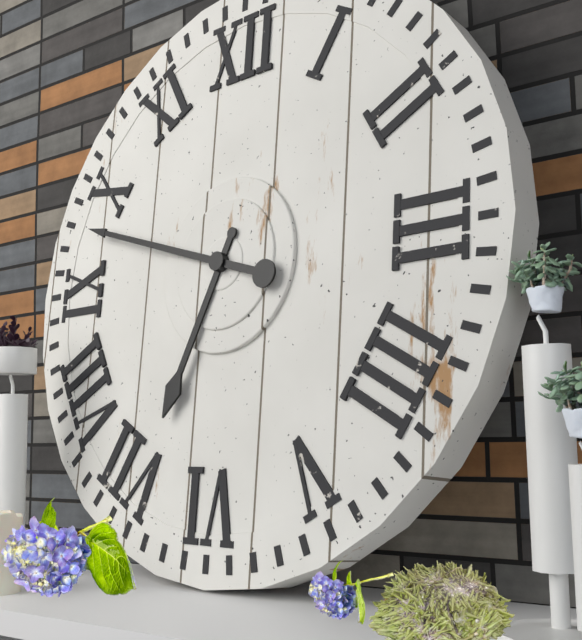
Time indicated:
6h48
